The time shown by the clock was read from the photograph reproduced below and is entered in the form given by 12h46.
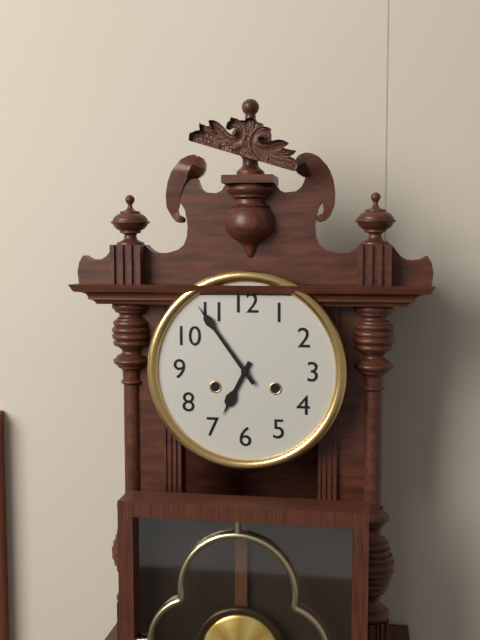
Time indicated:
6h54
